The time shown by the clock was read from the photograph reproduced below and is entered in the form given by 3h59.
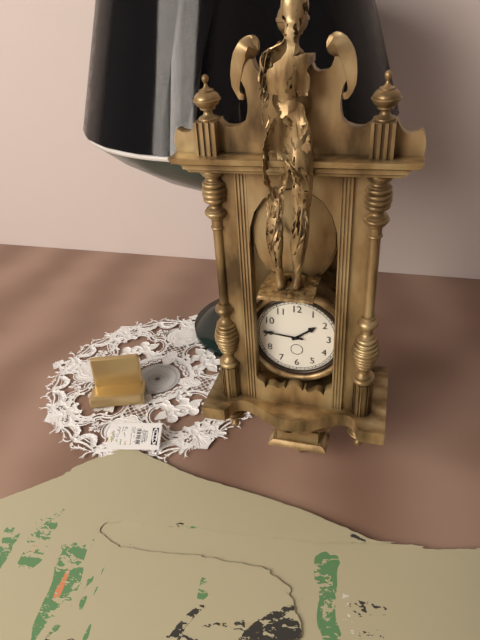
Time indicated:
1h46
